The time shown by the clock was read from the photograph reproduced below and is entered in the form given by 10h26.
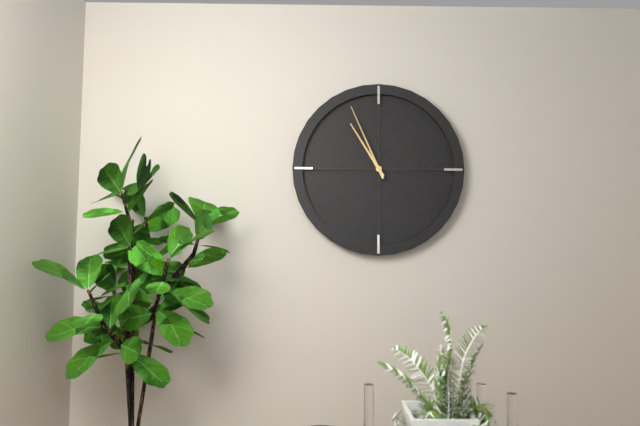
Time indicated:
10h56
